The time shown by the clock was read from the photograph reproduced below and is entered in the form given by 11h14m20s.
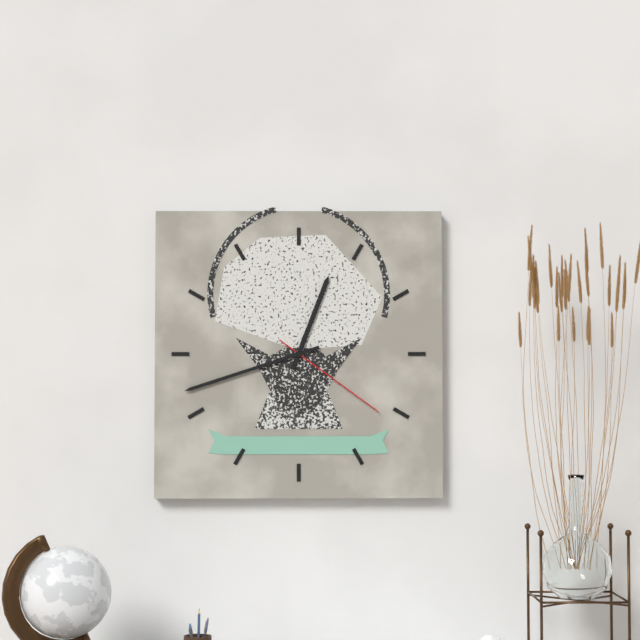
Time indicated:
12h42m21s
